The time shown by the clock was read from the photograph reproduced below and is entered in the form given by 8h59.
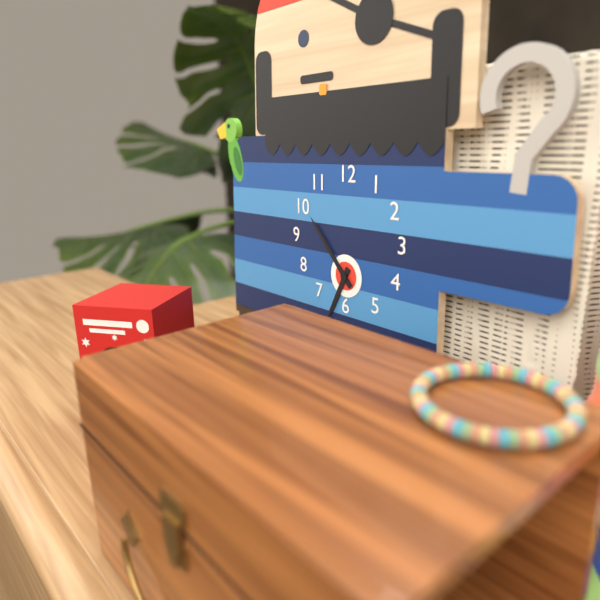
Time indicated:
6h53
